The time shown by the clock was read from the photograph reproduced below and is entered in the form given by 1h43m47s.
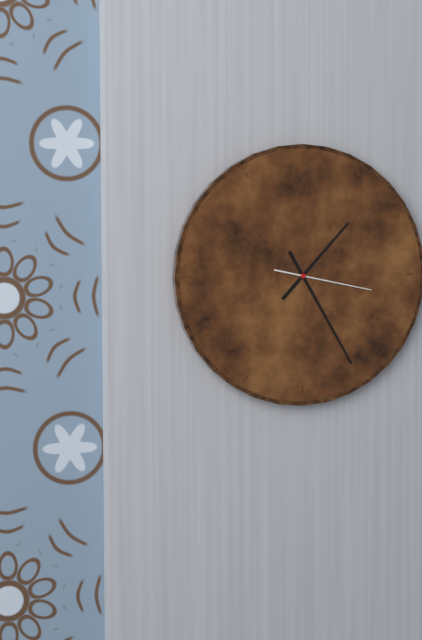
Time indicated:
1h25m17s
